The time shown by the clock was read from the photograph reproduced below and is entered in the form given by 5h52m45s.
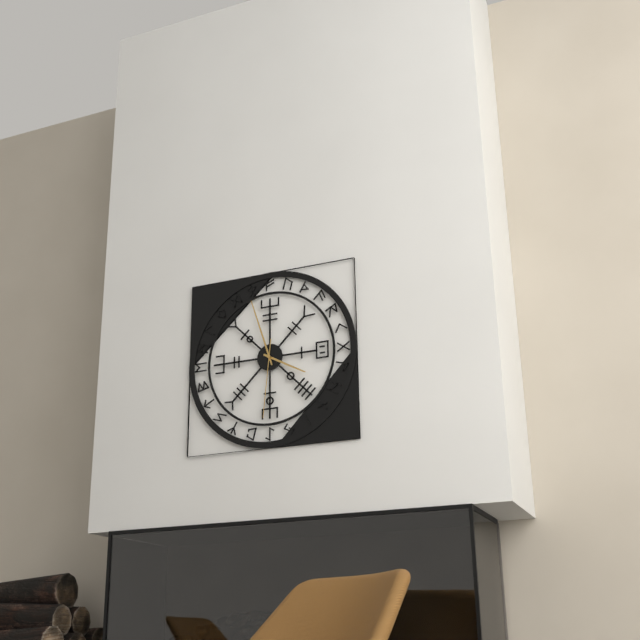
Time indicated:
3h57m31s
